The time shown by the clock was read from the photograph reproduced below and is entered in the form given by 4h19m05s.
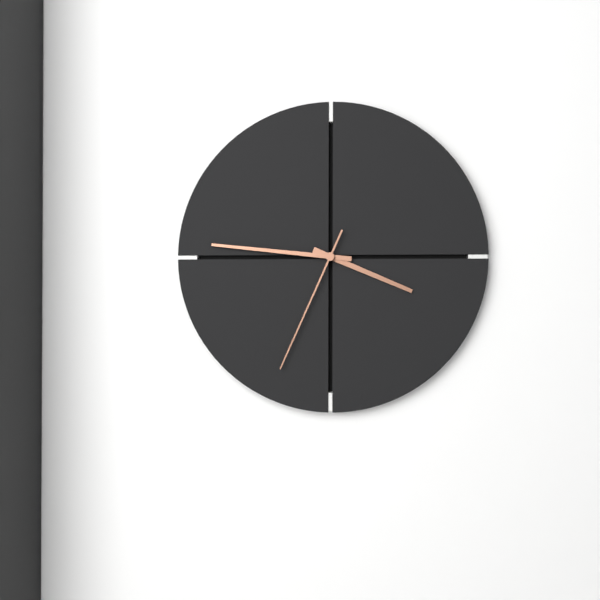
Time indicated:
3h46m34s
